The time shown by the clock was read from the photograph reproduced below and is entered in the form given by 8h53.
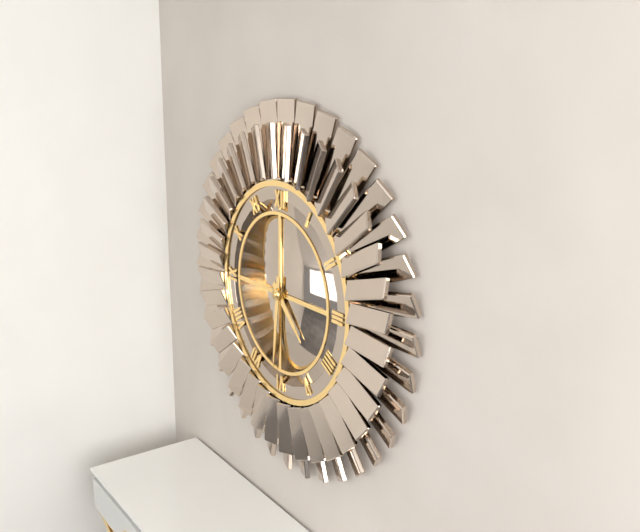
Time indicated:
4h31
